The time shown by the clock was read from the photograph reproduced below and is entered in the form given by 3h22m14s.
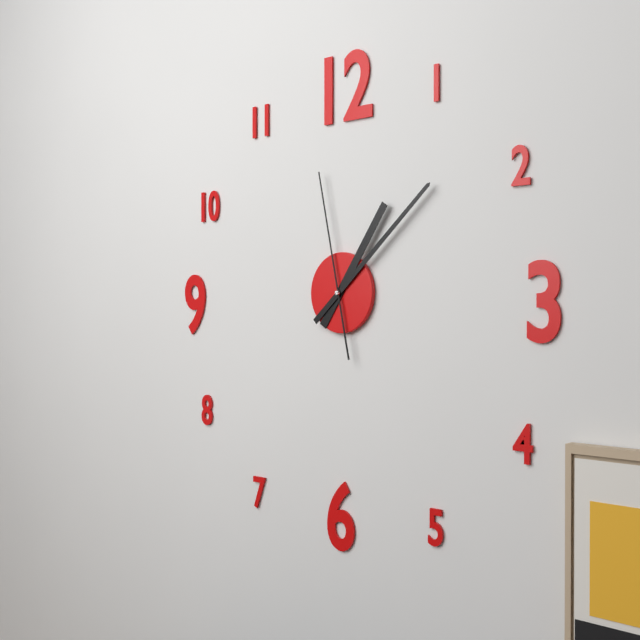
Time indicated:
1h08m58s
